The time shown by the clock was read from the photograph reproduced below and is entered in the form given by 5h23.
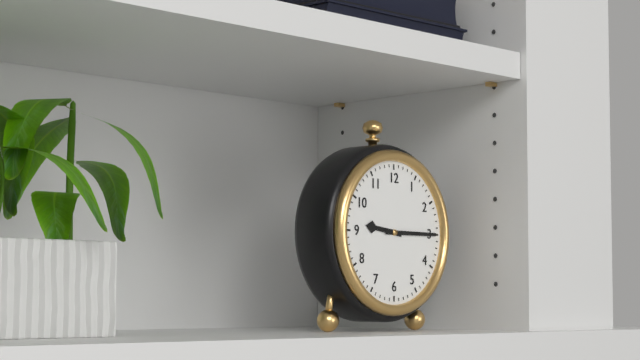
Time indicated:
9h15
